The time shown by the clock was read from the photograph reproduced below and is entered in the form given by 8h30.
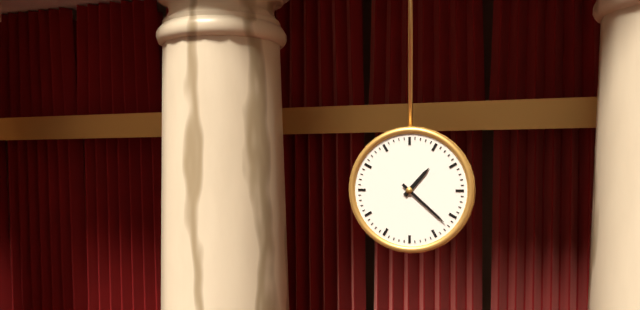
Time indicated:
1h22
